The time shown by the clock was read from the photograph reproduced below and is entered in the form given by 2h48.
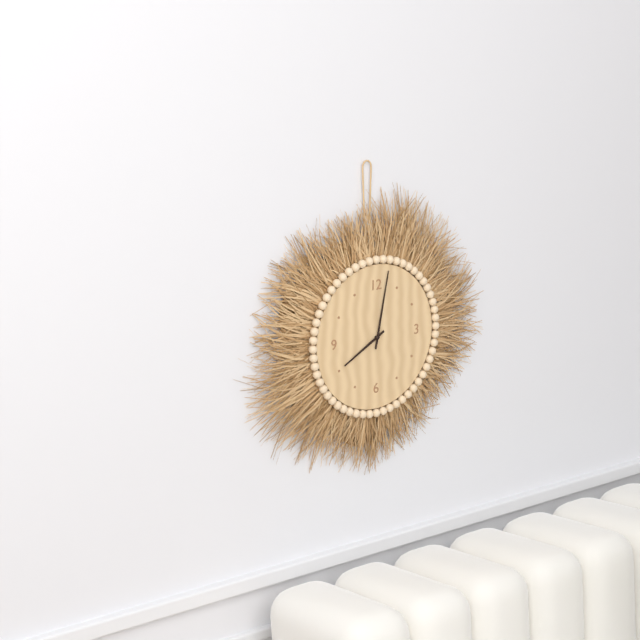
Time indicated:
8h02
